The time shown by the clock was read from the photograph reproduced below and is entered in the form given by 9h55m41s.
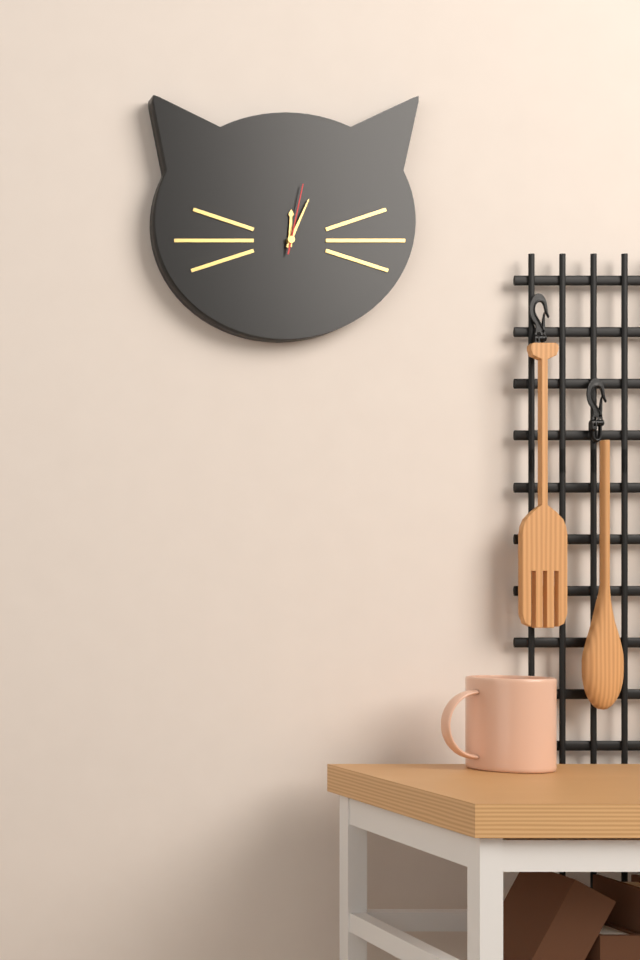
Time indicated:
12h04m02s
